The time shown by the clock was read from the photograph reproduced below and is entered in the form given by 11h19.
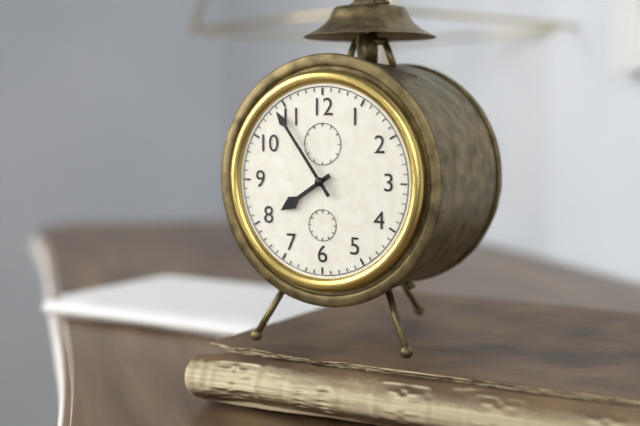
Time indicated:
7h54
